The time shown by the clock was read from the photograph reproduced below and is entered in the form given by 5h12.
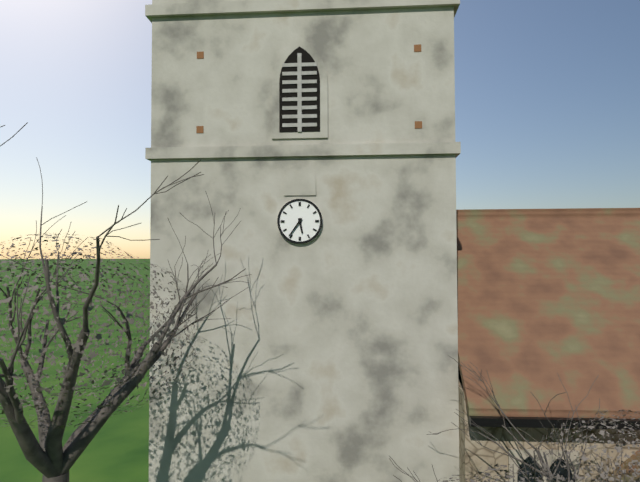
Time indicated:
5h36
